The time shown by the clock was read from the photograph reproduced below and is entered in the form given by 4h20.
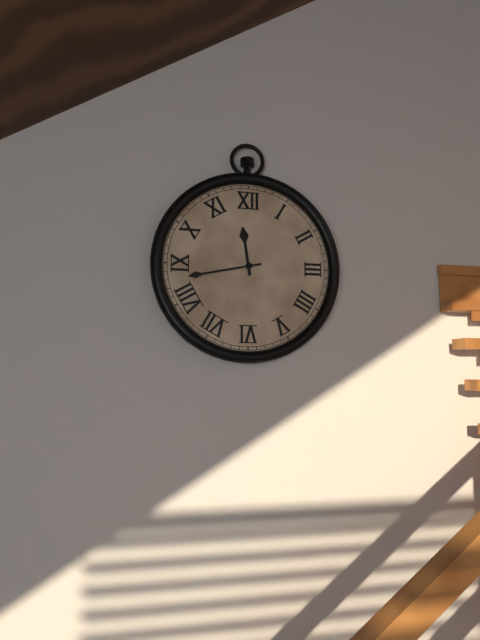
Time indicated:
11h43
